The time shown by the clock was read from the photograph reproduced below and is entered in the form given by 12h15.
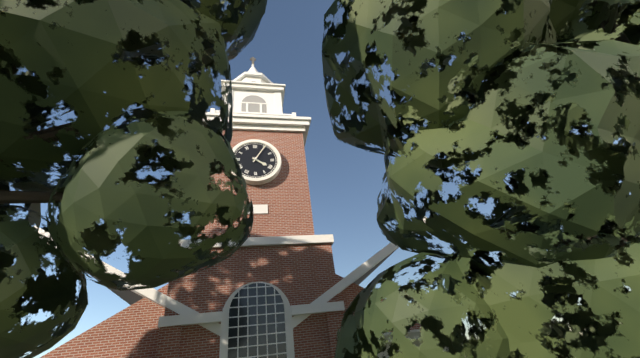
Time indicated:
4h05
